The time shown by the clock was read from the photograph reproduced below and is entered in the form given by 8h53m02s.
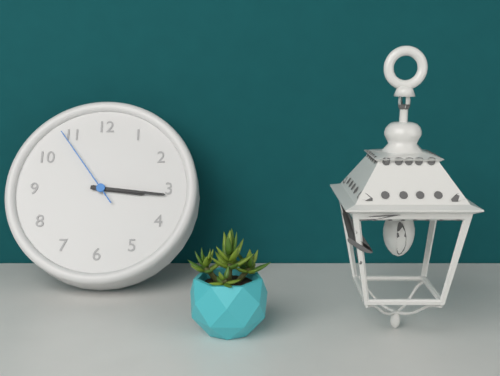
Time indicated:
3h16m54s
